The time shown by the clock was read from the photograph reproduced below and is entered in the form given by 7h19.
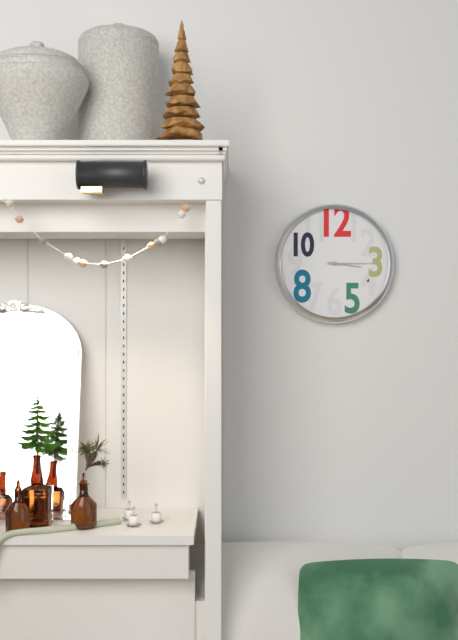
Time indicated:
3h15
